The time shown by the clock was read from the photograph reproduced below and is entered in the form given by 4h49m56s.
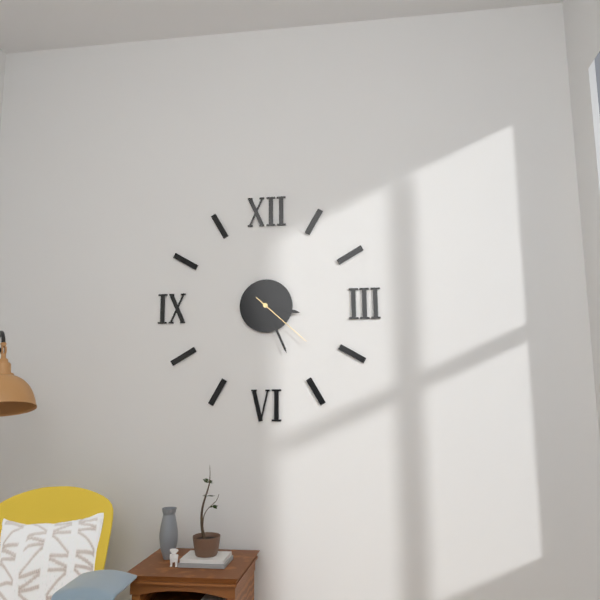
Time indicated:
3h26m22s
